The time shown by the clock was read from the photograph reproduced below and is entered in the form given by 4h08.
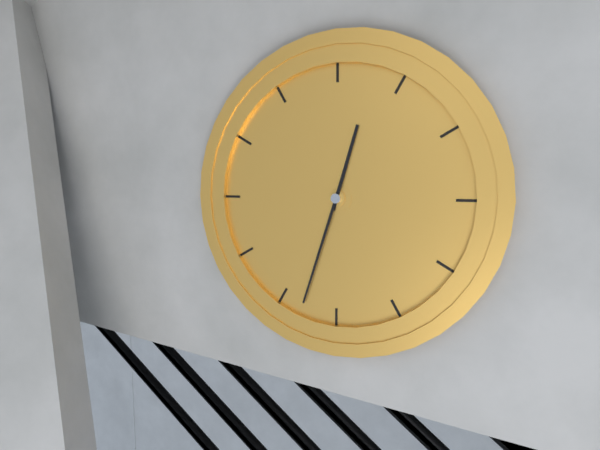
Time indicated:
12h33
